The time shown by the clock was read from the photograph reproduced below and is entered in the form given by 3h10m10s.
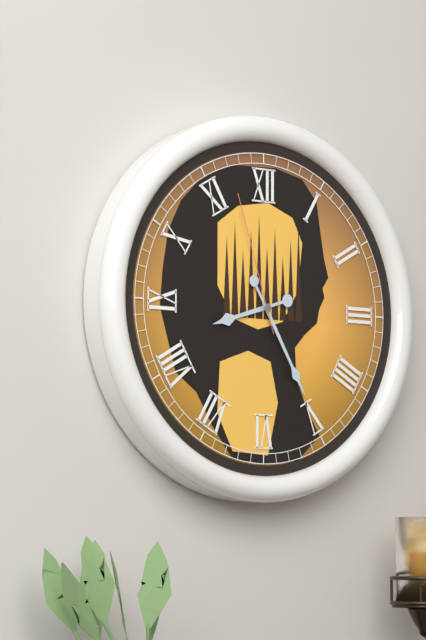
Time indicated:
8h25m57s
